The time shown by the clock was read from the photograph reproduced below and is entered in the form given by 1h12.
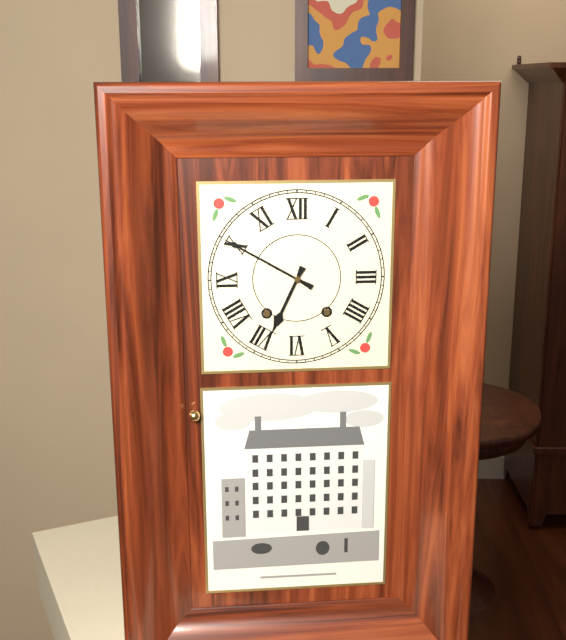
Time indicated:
6h50
